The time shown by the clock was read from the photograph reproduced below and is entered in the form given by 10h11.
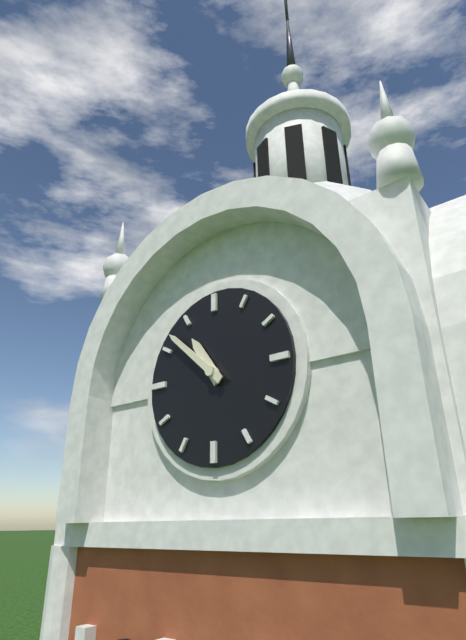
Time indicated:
10h52
